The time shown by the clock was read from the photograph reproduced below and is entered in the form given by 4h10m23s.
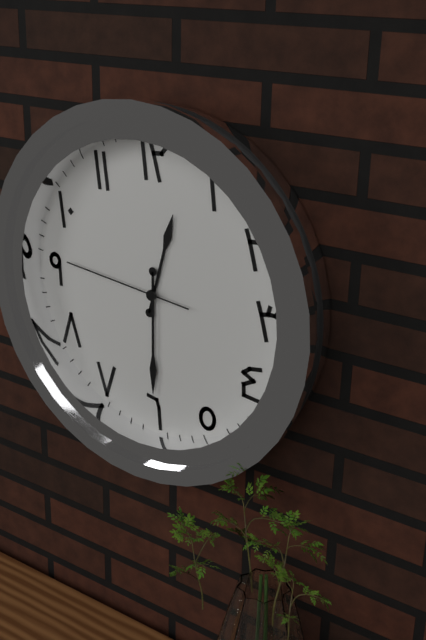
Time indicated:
12h30m46s
